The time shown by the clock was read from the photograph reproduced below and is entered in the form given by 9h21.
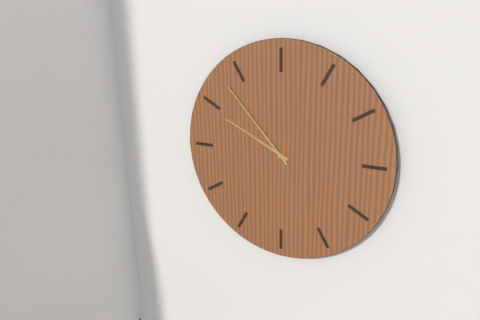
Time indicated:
9h53
